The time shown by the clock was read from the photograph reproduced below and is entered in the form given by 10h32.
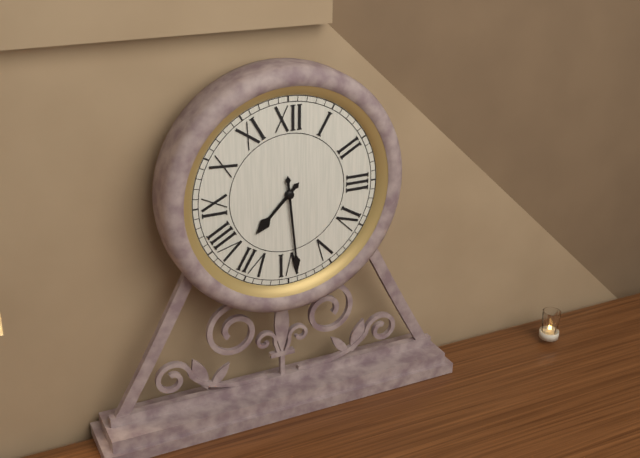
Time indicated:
7h29
